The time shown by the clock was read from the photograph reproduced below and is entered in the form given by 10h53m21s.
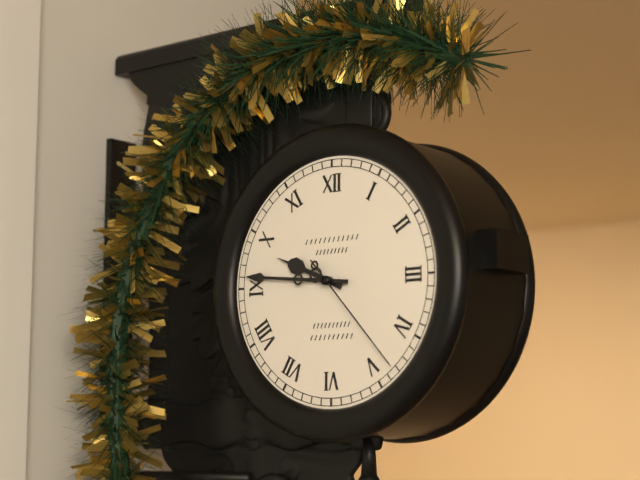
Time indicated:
9h46m23s
